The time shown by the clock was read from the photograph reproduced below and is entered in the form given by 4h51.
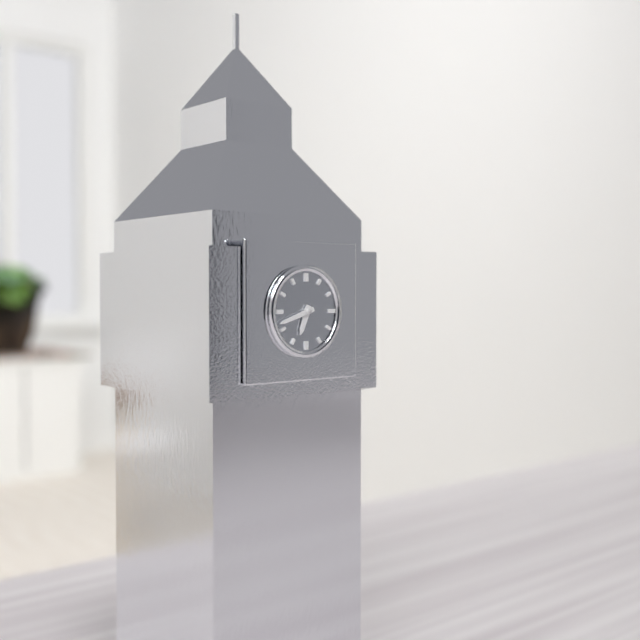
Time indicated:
6h42
